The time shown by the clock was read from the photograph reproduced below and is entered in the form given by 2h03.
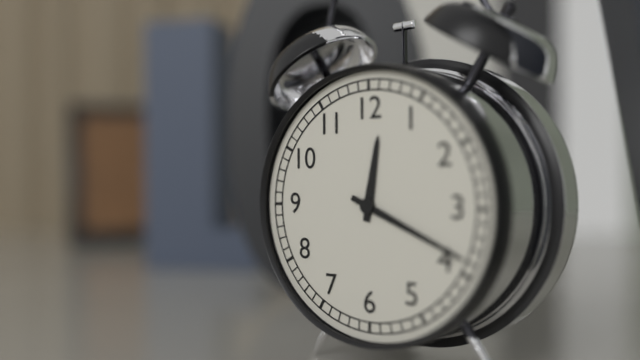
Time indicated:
12h19
